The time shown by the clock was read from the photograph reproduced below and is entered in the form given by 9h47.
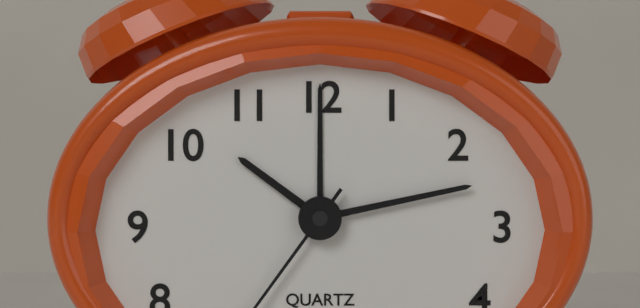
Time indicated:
10h13
